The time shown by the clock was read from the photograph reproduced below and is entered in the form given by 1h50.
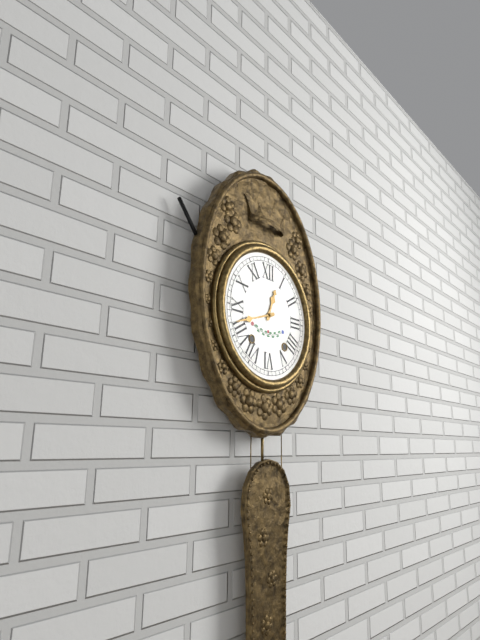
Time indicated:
12h42
